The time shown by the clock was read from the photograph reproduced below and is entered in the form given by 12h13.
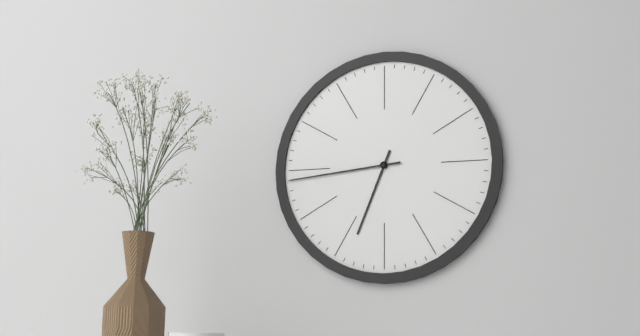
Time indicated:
6h44
